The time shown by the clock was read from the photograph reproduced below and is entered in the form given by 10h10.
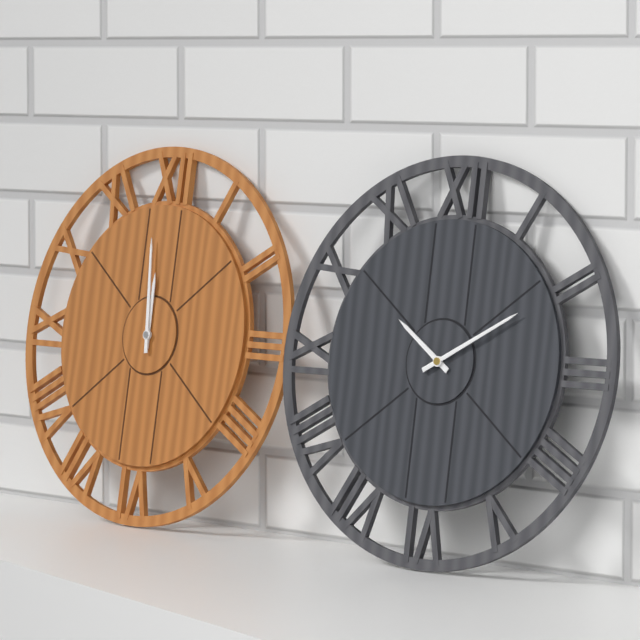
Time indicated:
11h59
